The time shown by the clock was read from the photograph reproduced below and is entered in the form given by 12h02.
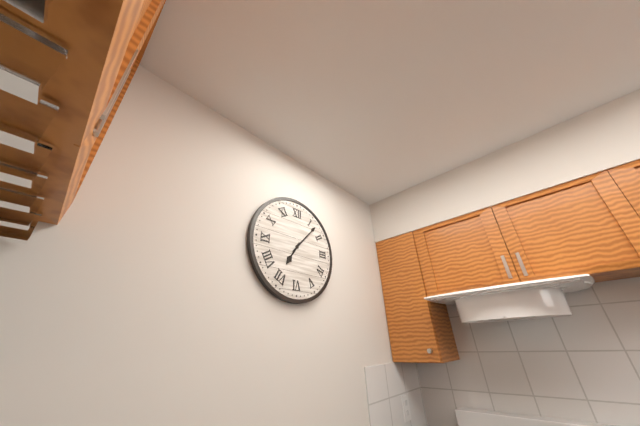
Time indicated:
7h07
